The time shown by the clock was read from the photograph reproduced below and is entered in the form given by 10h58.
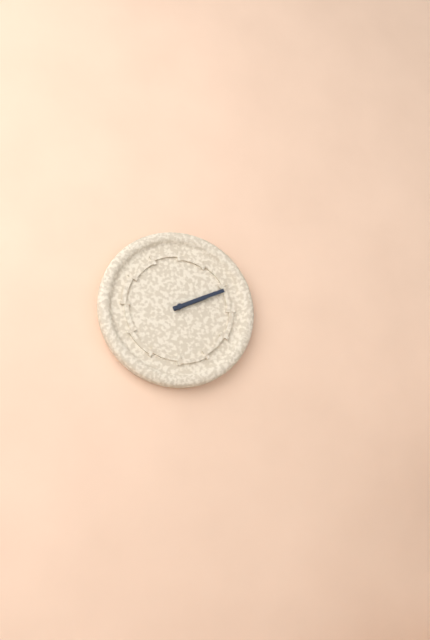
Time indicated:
2h11
